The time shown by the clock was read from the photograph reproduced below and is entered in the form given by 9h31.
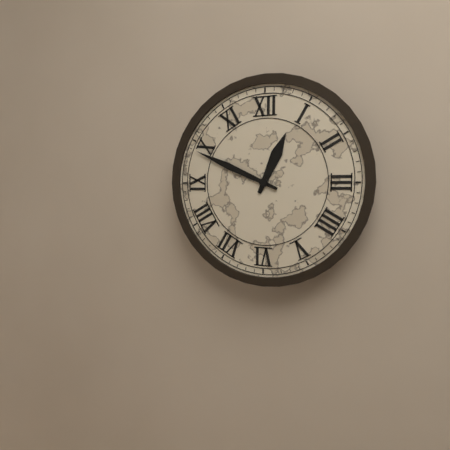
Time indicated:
12h49
